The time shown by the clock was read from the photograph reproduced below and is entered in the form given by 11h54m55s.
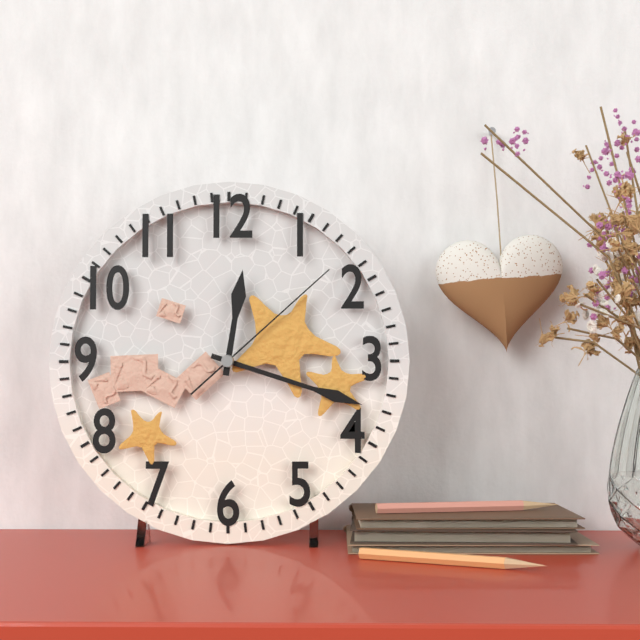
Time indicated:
12h18m08s
